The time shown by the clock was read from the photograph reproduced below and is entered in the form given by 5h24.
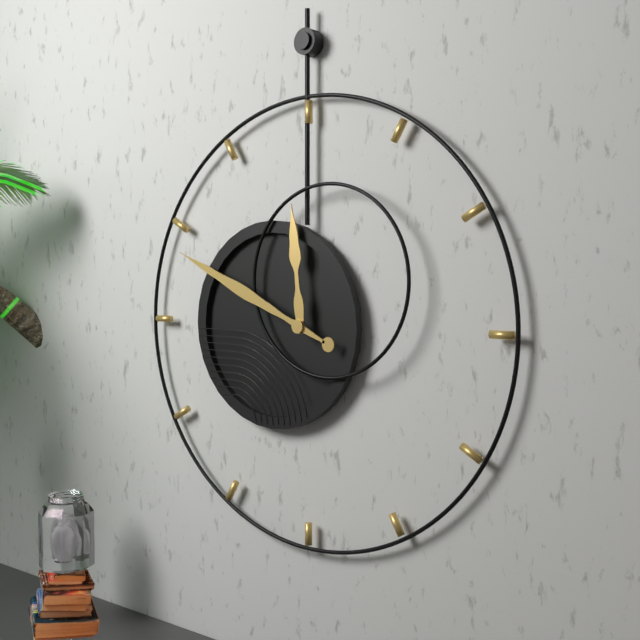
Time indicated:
11h49
